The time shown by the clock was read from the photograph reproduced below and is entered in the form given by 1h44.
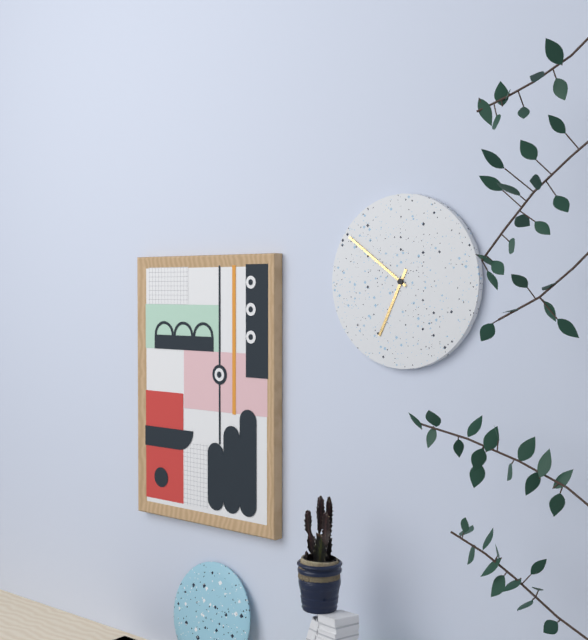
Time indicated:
6h51
